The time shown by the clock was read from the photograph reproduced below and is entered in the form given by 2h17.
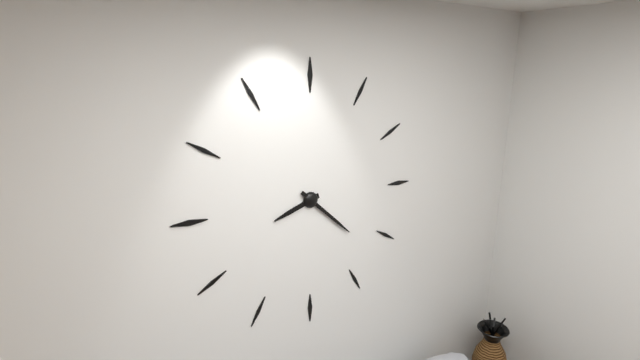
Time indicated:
8h22
